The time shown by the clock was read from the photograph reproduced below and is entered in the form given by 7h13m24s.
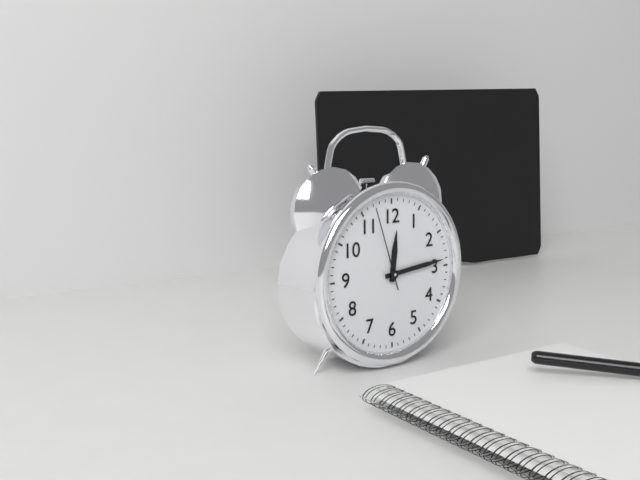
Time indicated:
12h14m57s
